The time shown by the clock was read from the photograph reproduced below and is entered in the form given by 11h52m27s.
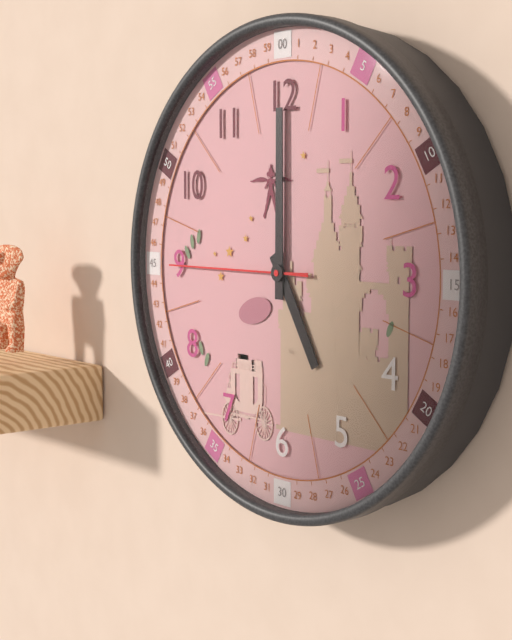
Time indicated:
5h00m45s
